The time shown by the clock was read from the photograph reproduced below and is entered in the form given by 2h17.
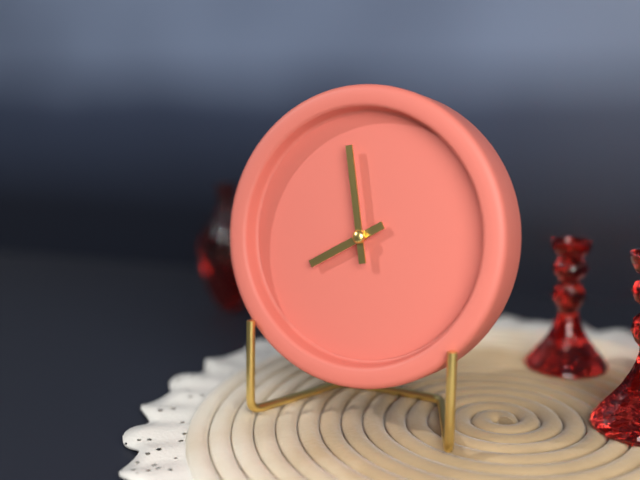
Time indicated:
7h58
